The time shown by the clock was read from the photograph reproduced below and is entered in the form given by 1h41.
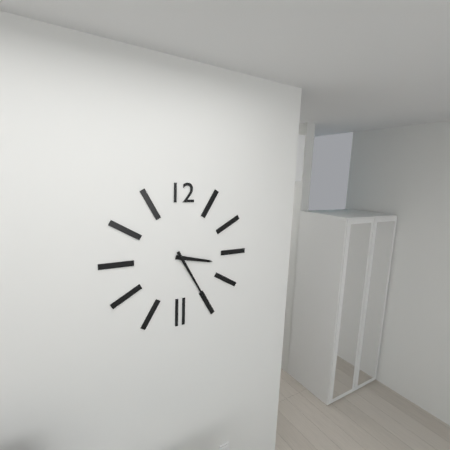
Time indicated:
3h25
